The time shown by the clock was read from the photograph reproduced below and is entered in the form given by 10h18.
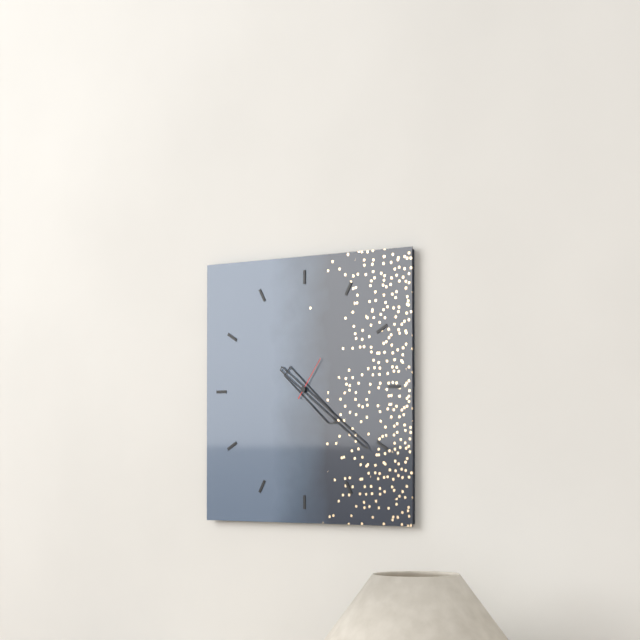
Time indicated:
4h21
